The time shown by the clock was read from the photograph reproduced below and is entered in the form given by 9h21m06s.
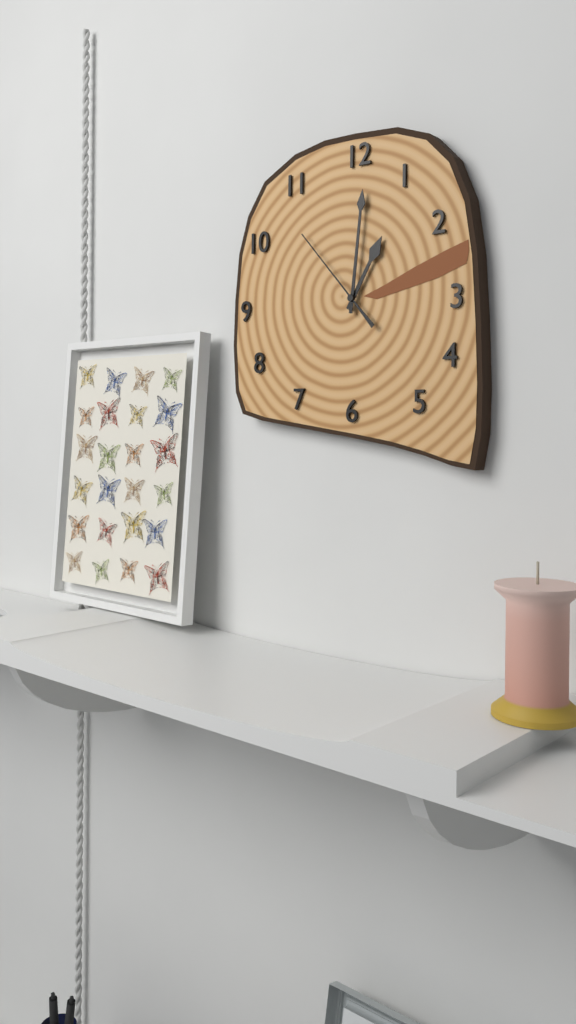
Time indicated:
1h01m53s
